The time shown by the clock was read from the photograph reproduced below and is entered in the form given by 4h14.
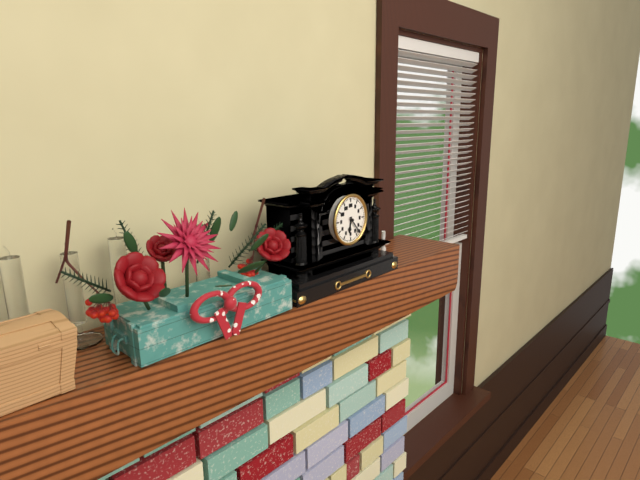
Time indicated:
6h23
